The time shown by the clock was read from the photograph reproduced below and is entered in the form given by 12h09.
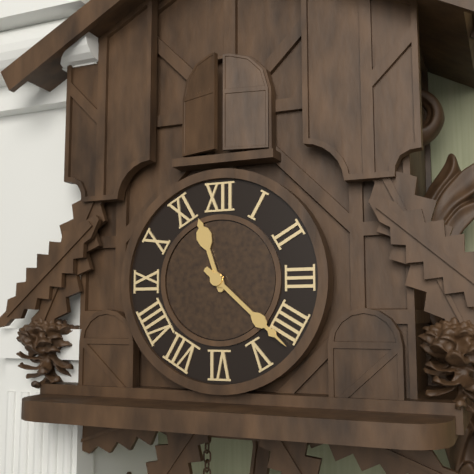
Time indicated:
11h22
